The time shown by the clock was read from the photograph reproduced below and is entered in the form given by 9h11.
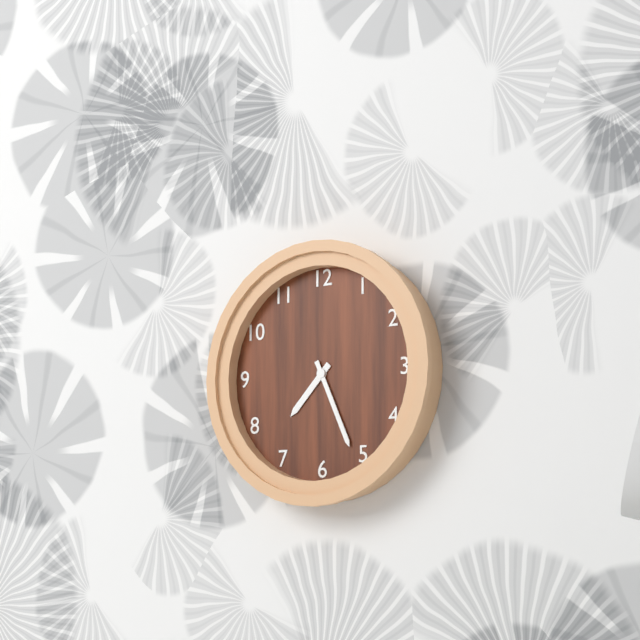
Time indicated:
7h26
